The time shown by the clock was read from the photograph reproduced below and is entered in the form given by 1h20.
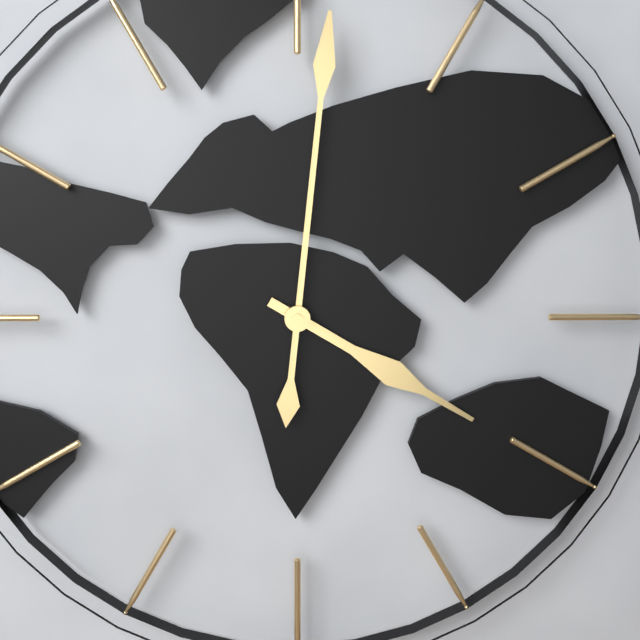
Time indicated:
4h01
